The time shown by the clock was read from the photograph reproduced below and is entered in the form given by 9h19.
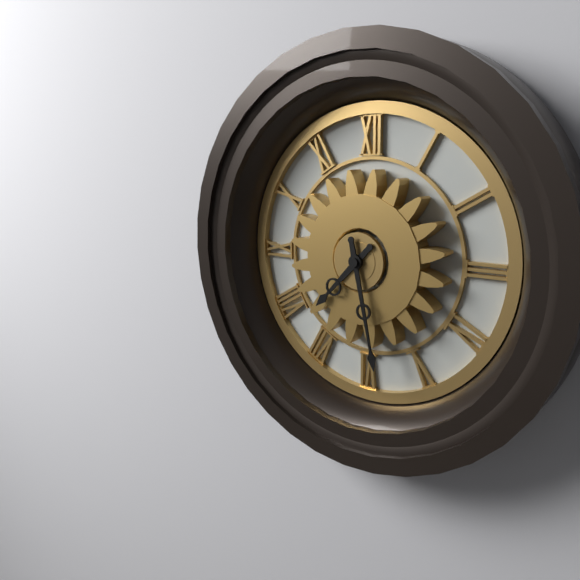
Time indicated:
7h28
